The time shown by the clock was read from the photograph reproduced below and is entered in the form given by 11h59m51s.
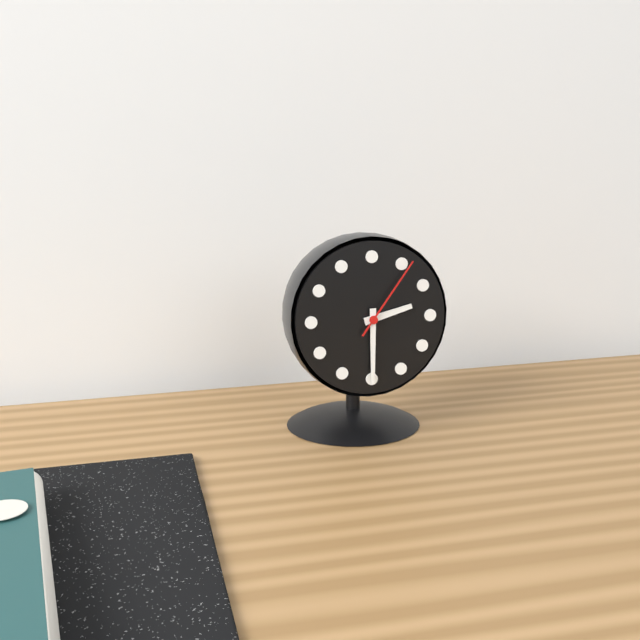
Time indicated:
2h30m06s
